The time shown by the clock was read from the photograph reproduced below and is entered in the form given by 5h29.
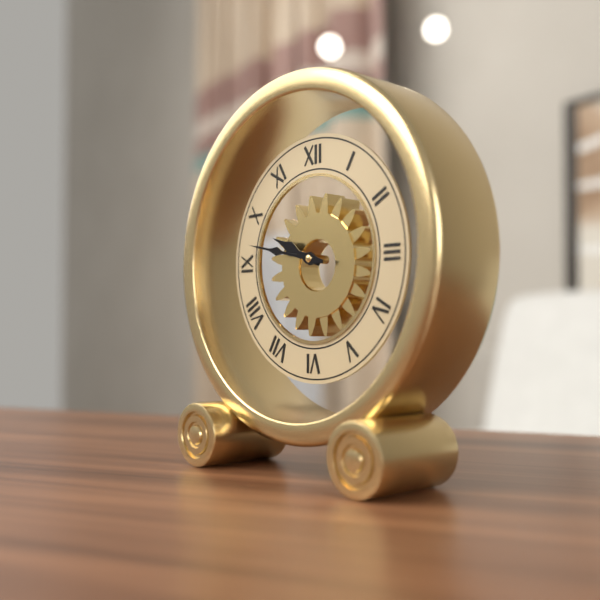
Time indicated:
9h47
